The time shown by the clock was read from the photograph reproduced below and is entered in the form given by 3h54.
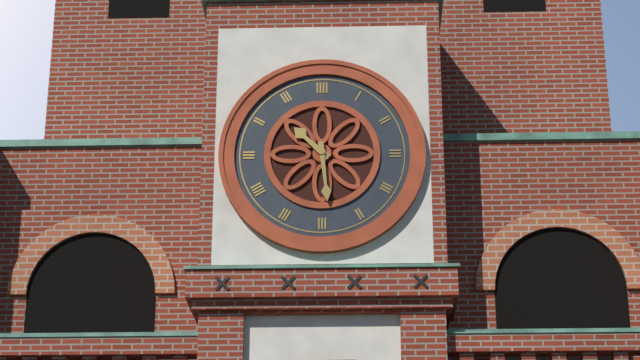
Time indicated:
10h29
